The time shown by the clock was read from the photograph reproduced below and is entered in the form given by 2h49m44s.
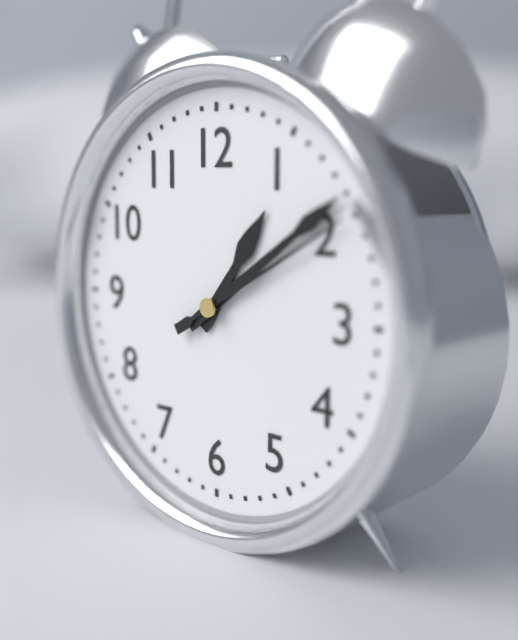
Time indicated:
1h09m10s
